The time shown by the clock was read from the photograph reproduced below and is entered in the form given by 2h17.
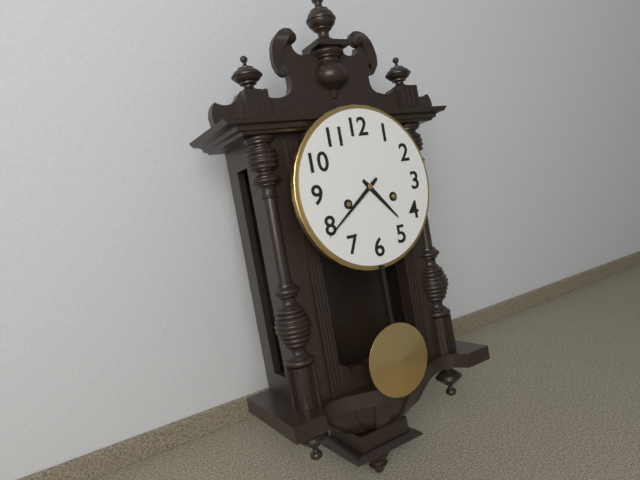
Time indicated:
4h39
